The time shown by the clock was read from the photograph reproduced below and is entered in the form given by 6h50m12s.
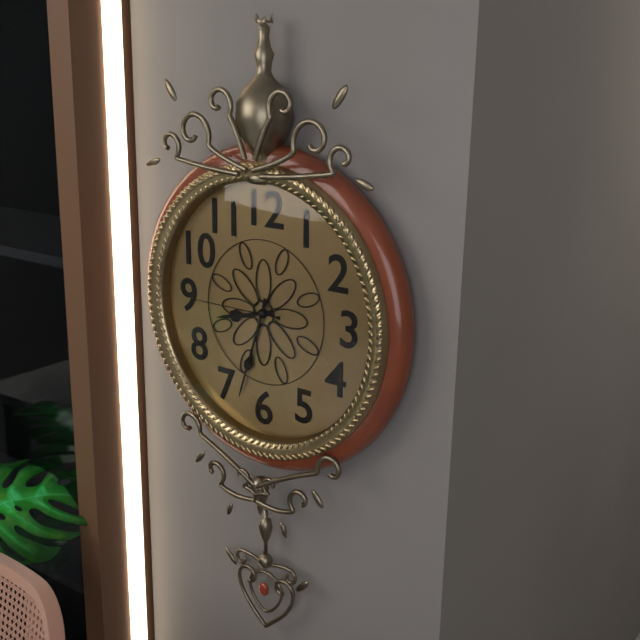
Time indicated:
8h33m45s
